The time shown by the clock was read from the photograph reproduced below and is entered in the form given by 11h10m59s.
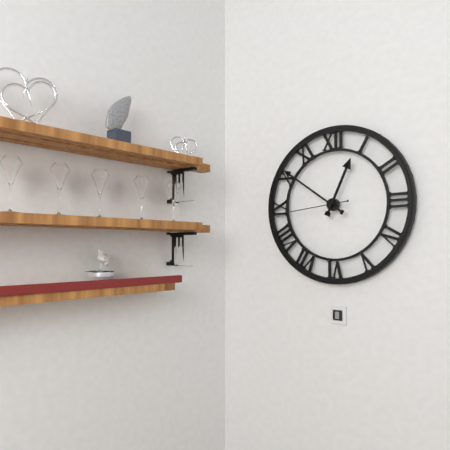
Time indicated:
12h51m44s
